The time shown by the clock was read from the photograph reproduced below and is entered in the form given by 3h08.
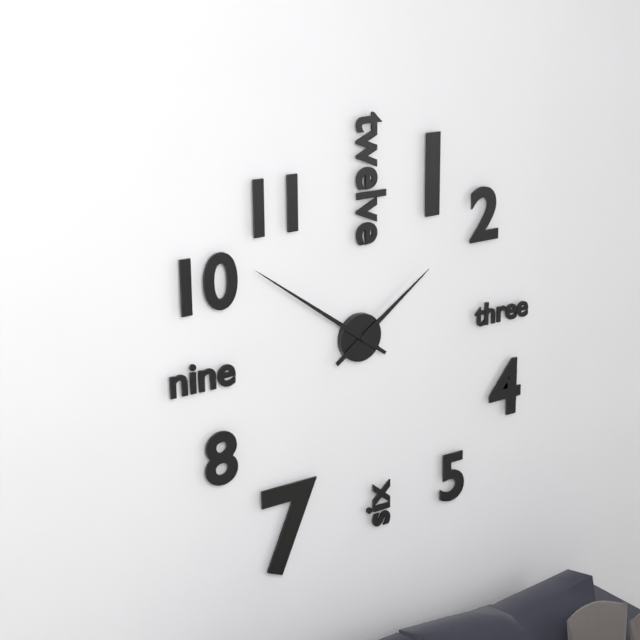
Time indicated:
1h51
